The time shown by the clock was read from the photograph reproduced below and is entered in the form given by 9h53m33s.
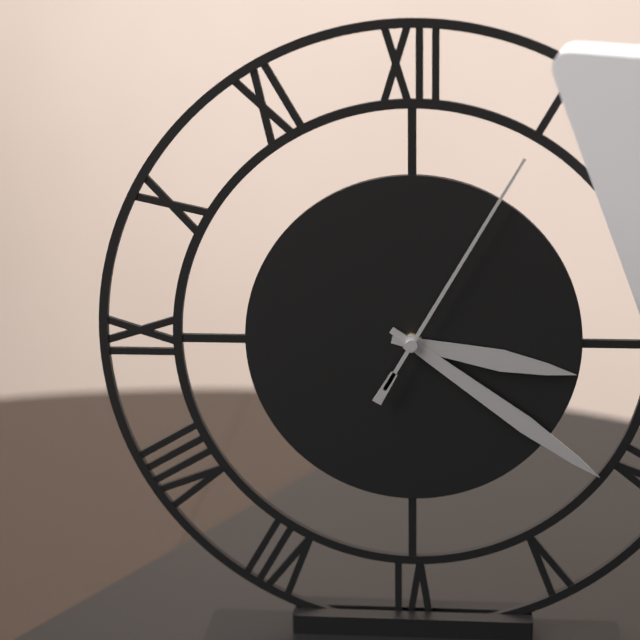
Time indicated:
3h21m05s
